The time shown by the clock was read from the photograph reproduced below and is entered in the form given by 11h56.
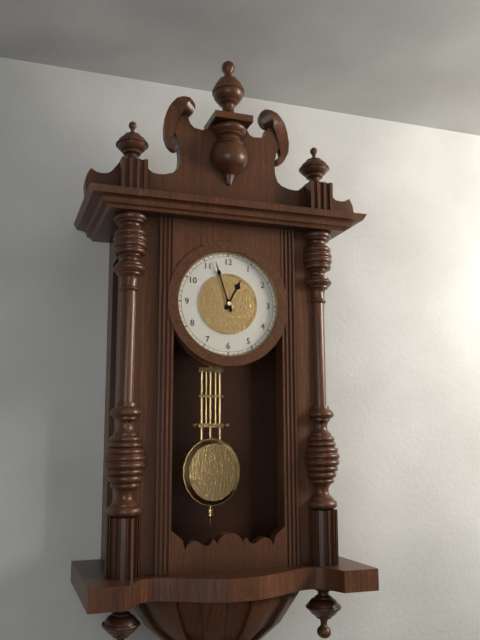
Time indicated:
12h57
